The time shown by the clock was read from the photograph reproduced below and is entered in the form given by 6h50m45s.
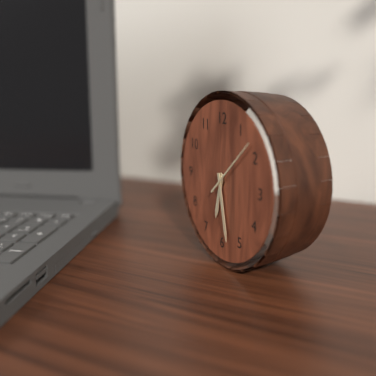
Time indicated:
6h28m08s
